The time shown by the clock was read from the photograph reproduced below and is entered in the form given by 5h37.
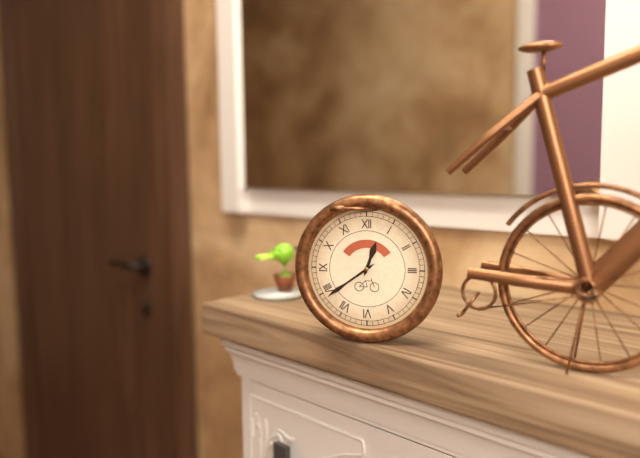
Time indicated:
12h39
